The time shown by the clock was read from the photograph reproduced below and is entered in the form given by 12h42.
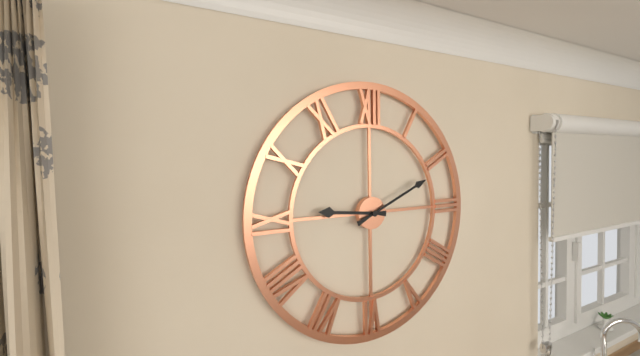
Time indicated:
9h11
